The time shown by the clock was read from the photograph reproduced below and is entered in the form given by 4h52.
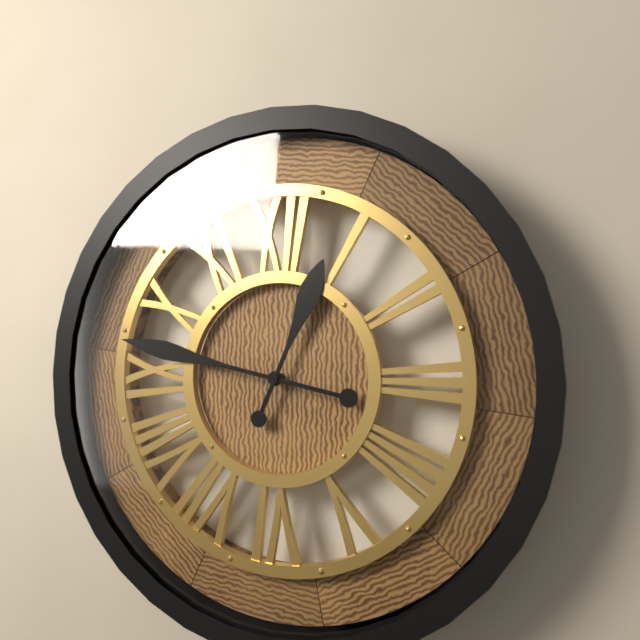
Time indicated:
12h47
